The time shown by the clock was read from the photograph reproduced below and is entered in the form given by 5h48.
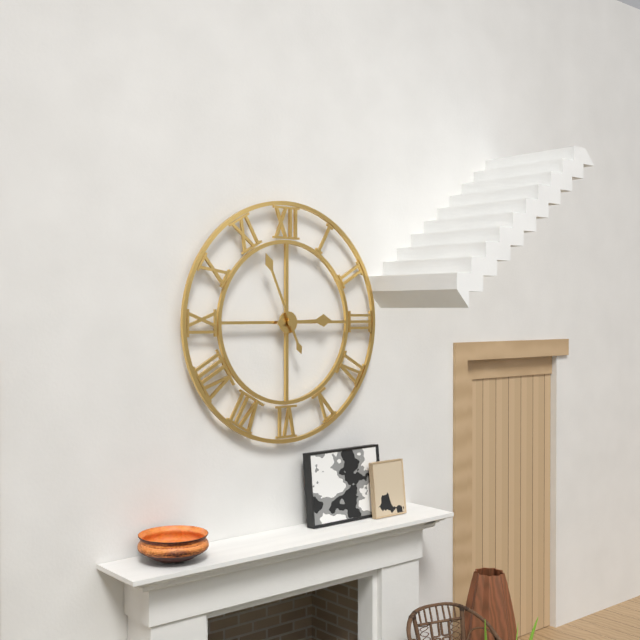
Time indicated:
2h56
